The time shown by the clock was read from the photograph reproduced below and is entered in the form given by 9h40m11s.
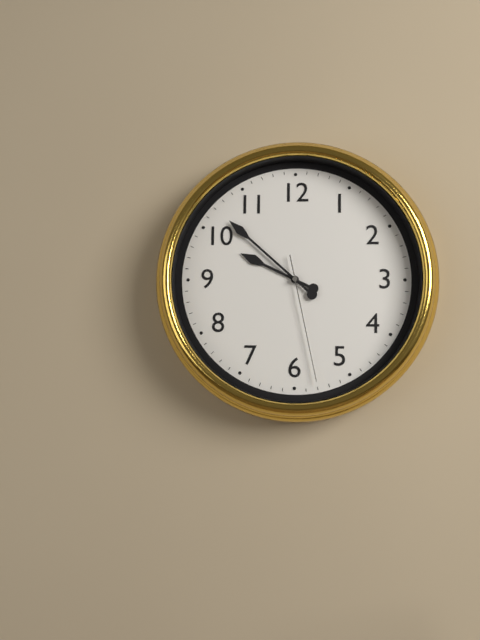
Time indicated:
9h52m28s
